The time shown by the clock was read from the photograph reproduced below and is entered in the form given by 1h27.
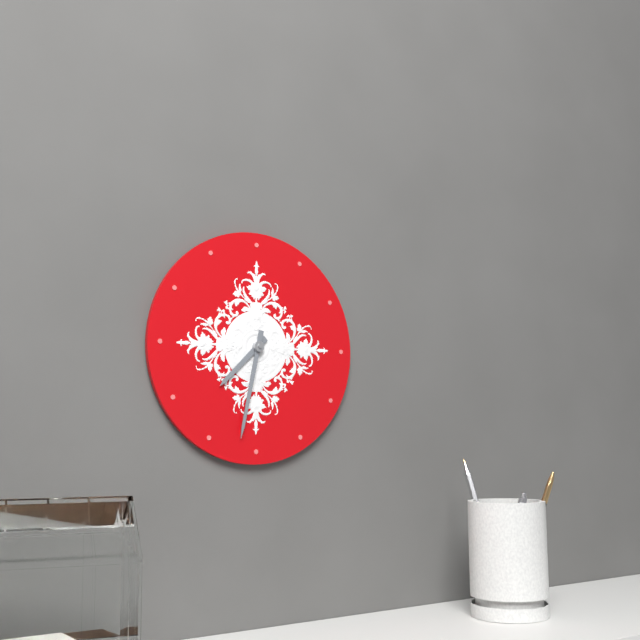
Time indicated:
7h32
